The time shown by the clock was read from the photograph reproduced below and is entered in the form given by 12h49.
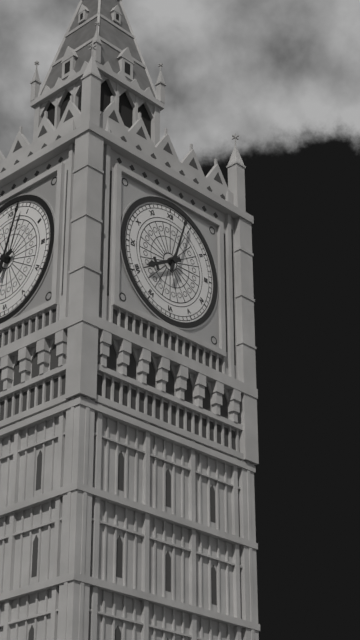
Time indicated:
8h03
